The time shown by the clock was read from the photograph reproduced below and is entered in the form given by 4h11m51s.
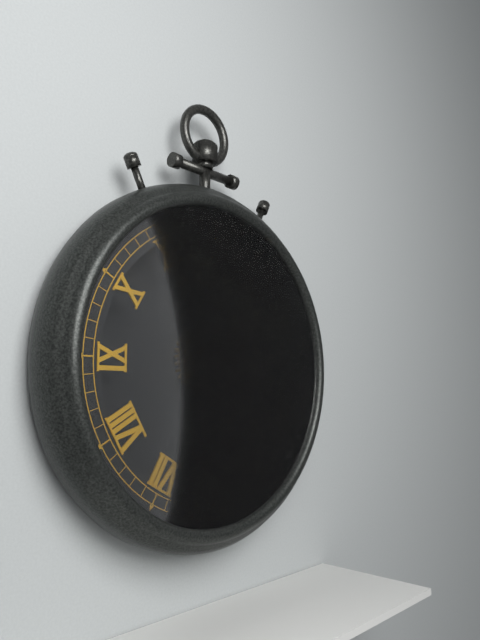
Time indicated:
12h24m17s
